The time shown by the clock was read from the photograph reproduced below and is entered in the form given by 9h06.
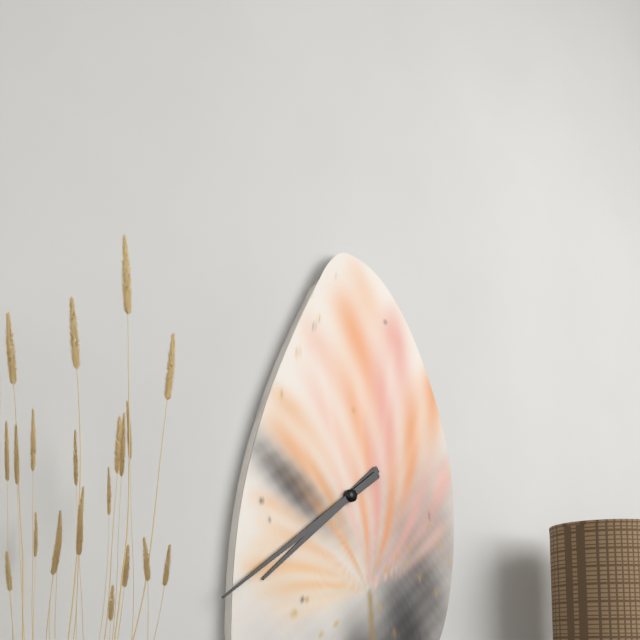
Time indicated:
7h39
